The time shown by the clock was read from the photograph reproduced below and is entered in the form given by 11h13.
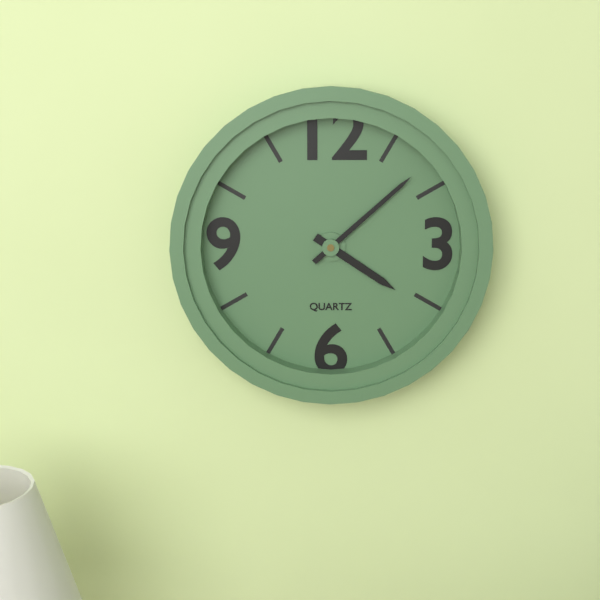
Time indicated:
4h08
